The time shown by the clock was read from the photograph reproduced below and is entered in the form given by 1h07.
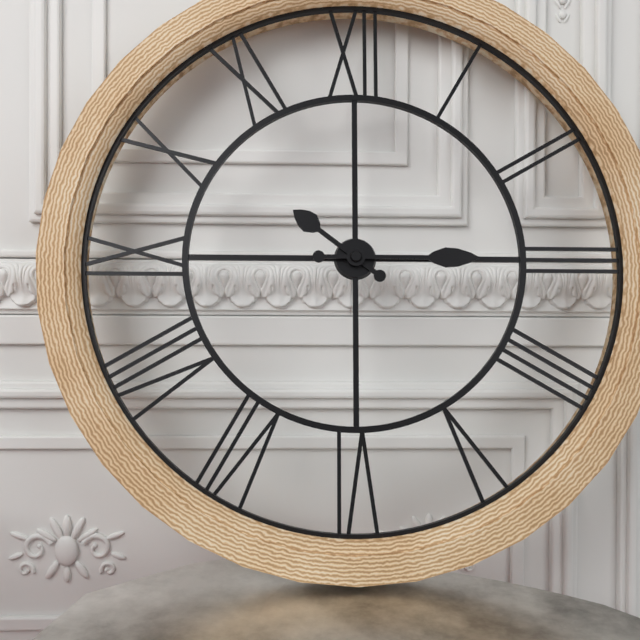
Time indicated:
10h15
